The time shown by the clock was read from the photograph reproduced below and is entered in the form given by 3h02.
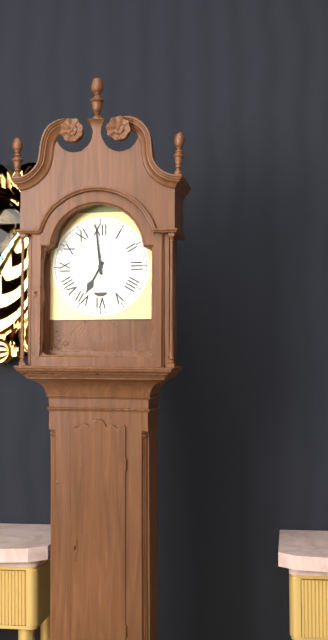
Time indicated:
6h59
